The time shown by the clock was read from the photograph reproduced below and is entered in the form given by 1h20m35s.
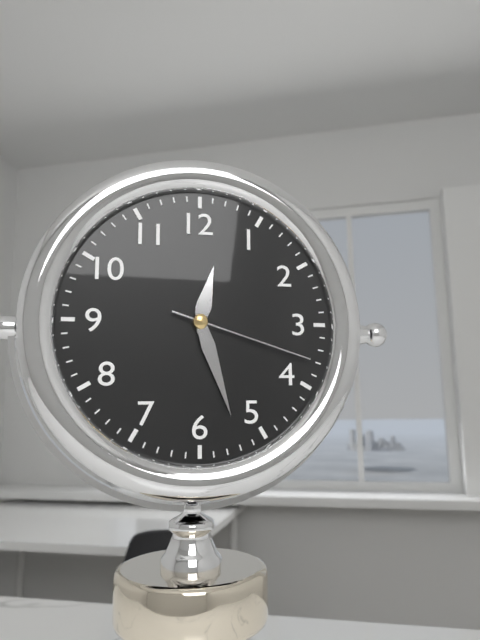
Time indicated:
12h27m18s
